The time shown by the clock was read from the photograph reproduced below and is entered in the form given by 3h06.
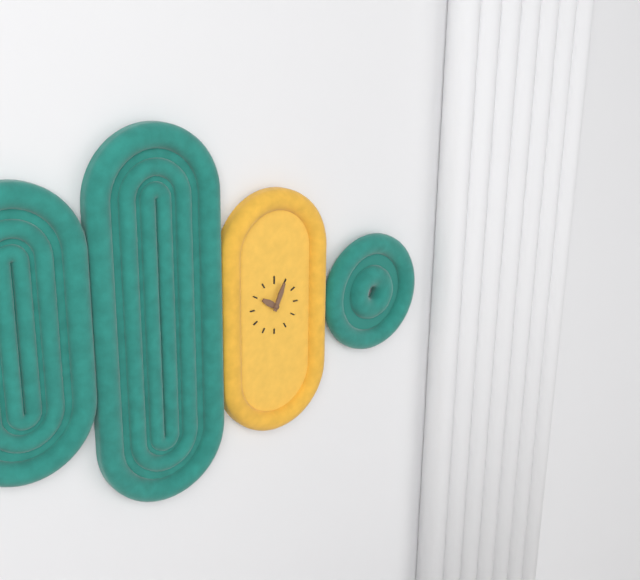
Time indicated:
10h04
